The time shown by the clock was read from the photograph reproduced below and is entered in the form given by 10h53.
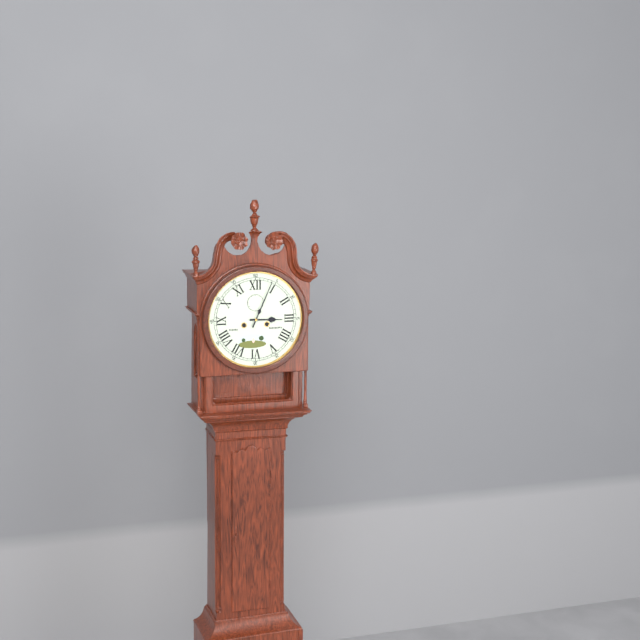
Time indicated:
3h04
